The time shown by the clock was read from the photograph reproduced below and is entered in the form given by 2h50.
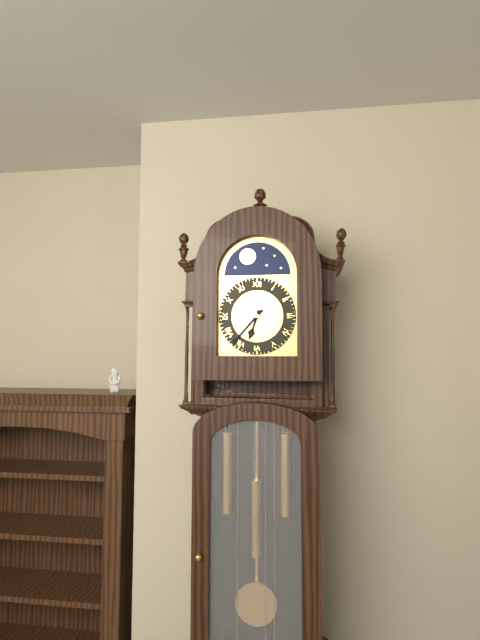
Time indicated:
6h37
